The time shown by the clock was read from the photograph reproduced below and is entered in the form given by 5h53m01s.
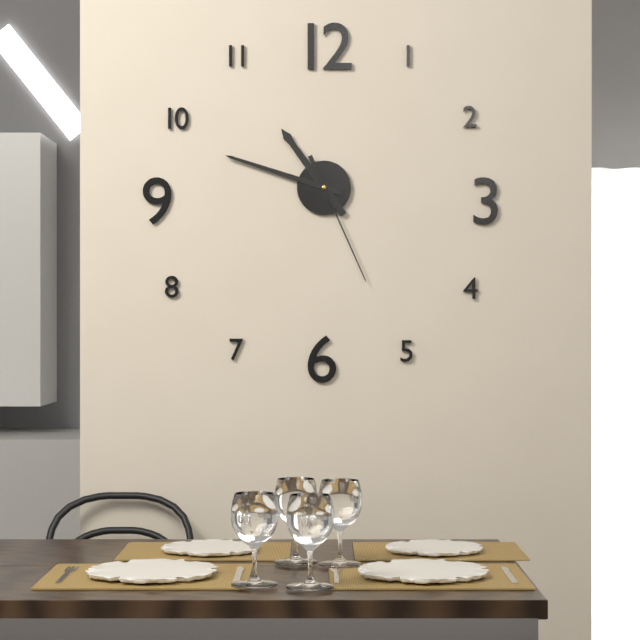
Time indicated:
10h48m26s
